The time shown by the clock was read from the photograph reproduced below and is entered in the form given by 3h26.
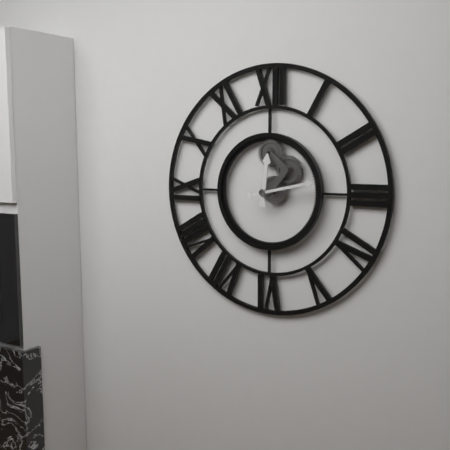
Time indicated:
12h13
